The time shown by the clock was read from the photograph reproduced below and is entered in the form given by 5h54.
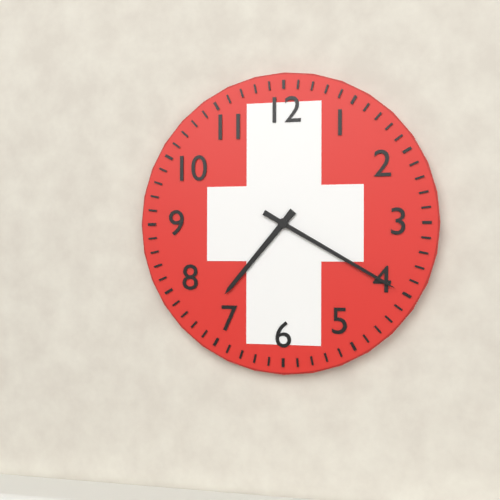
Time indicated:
7h20
